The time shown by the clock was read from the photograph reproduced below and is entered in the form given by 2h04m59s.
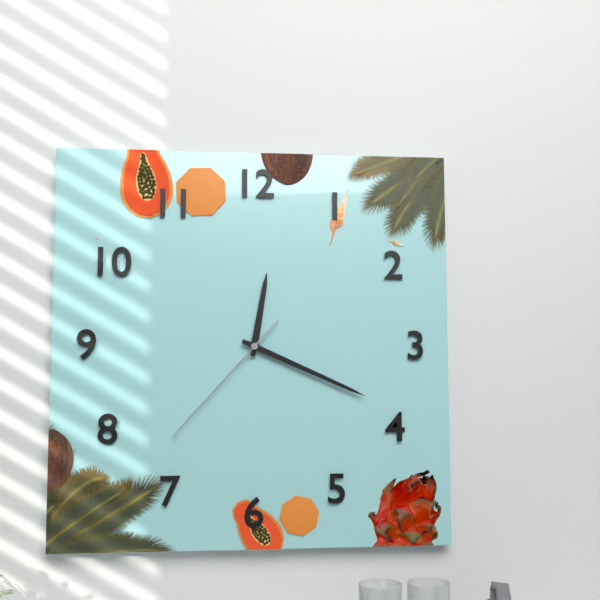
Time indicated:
12h19m37s
